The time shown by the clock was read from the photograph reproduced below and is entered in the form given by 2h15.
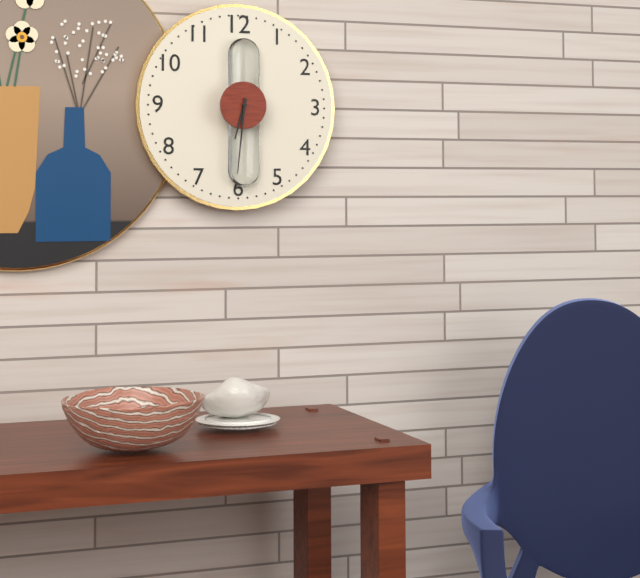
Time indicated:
6h31
